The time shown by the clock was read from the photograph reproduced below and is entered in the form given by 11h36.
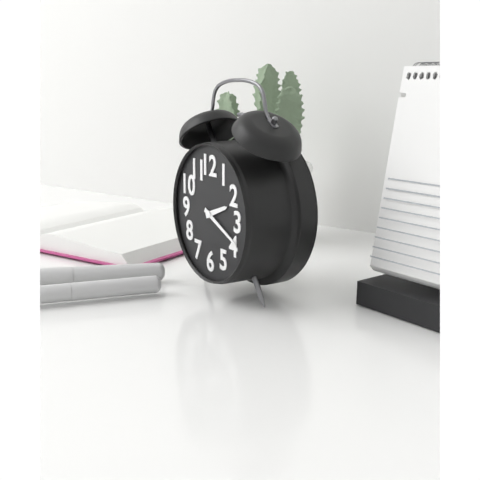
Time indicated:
2h19
